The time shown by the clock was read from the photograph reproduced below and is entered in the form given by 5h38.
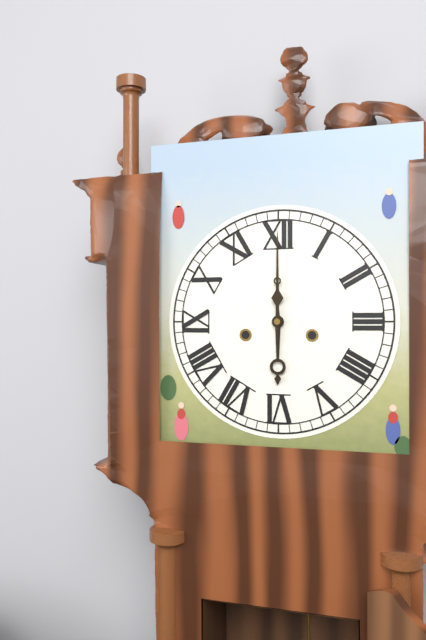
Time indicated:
6h00
